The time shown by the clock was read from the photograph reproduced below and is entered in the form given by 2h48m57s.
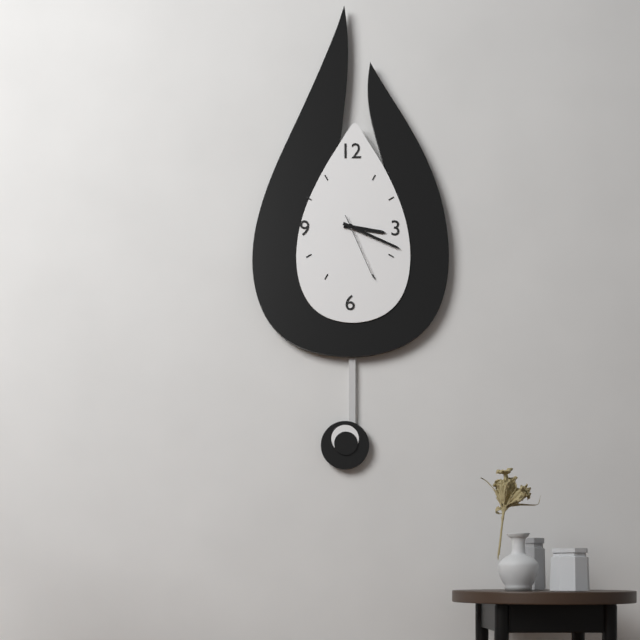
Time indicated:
3h19m26s
